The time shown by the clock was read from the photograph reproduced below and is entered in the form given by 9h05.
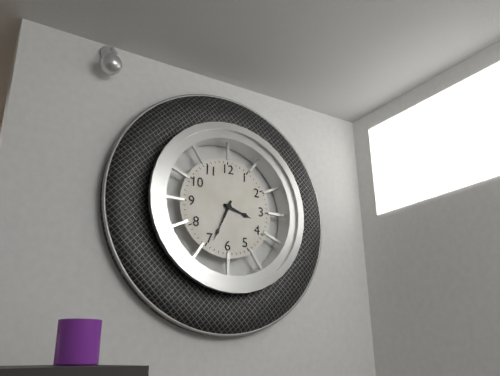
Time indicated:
3h34
